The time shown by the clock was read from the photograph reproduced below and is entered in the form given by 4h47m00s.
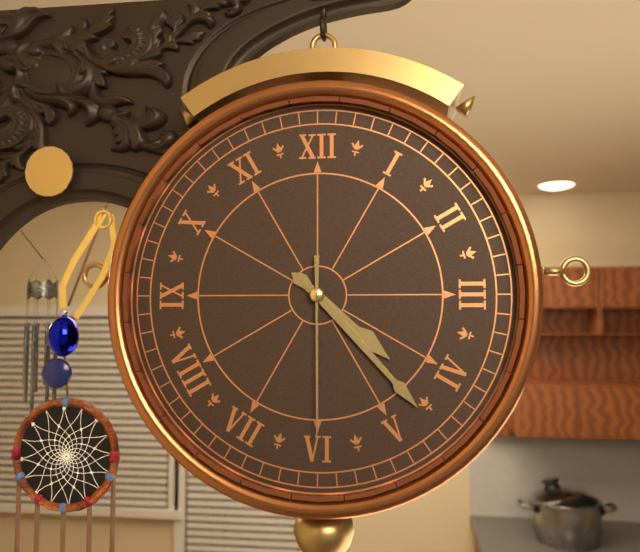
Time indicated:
4h23m30s
